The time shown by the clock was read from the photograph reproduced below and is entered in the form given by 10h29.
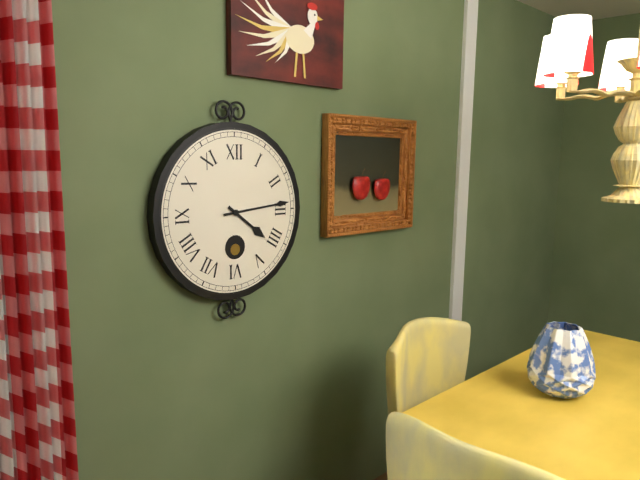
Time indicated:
4h14
